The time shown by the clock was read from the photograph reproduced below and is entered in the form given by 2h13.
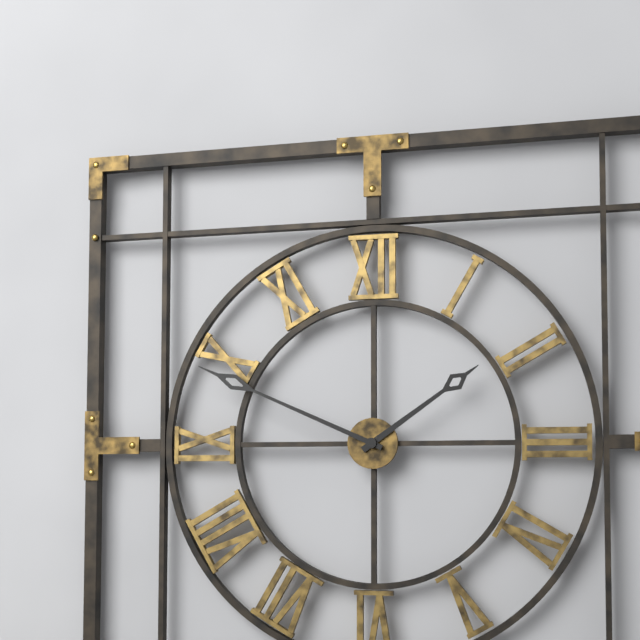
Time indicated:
1h49
